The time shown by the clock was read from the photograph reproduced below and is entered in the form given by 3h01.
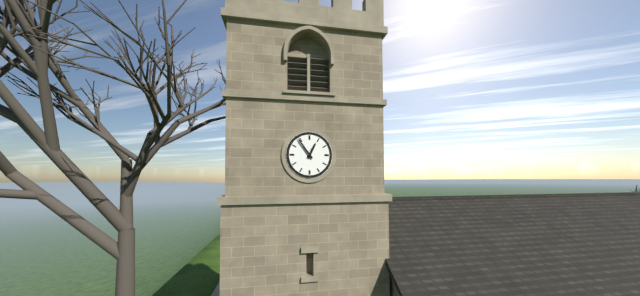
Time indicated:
12h54
